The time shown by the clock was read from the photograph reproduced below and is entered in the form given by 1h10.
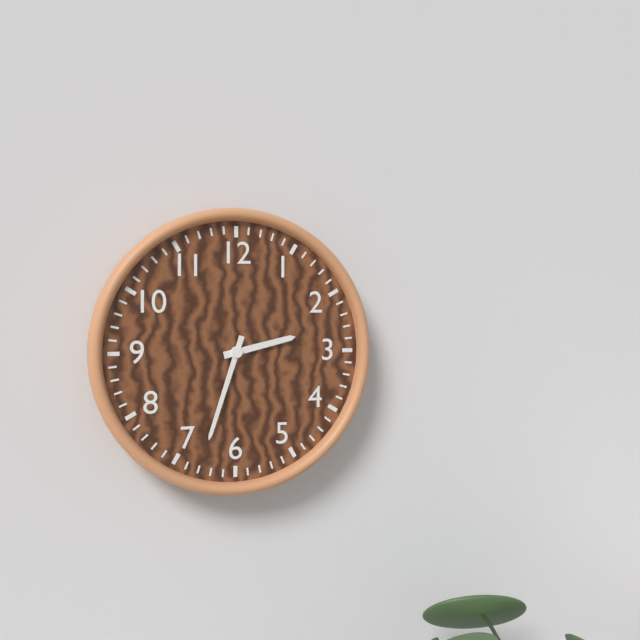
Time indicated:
2h33
